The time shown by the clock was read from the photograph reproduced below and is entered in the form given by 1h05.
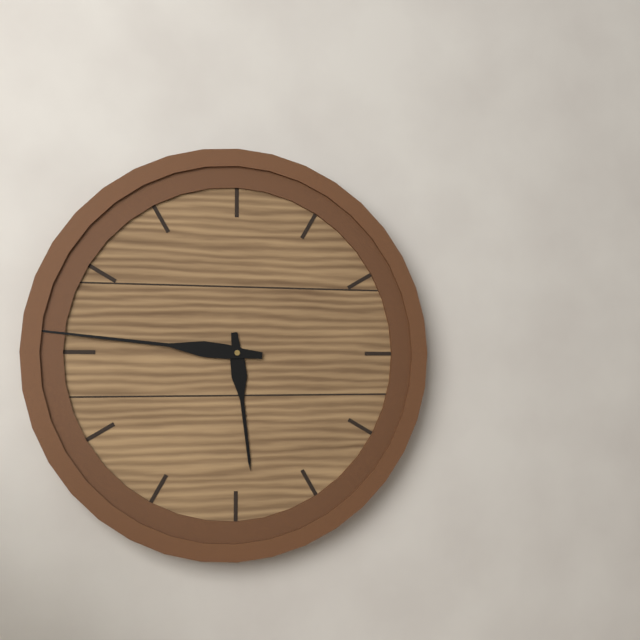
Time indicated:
5h46
